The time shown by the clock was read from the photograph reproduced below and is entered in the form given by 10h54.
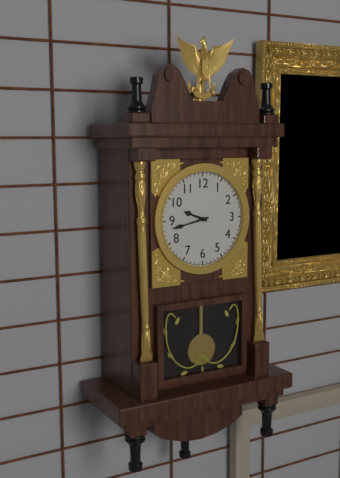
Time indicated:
9h43
